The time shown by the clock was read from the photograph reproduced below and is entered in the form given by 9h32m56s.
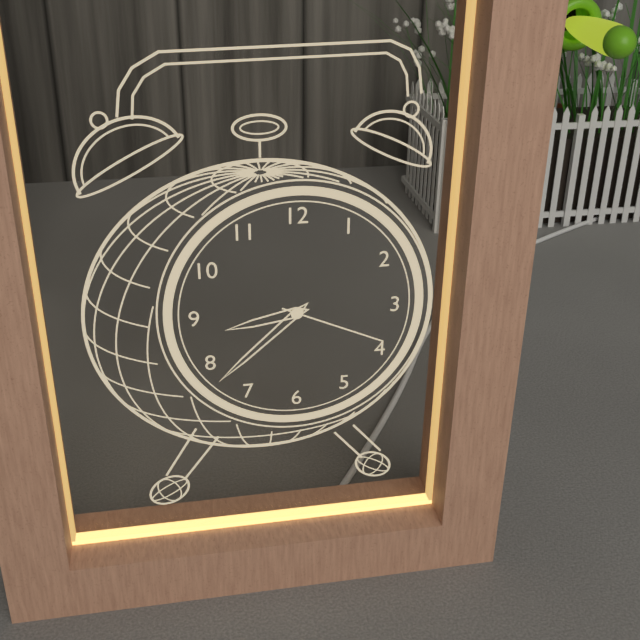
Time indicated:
8h38m19s
